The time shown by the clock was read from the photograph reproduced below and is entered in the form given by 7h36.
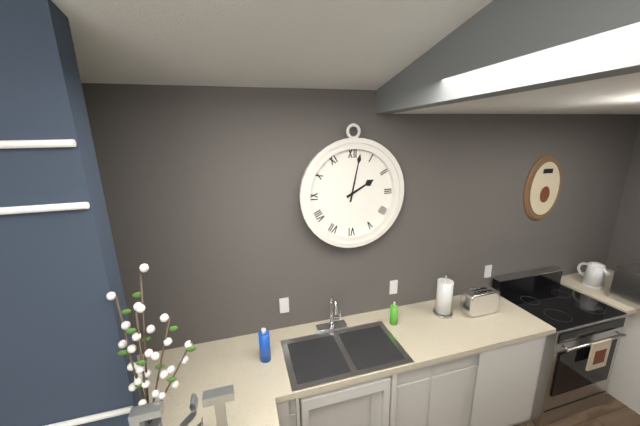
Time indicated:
2h02
